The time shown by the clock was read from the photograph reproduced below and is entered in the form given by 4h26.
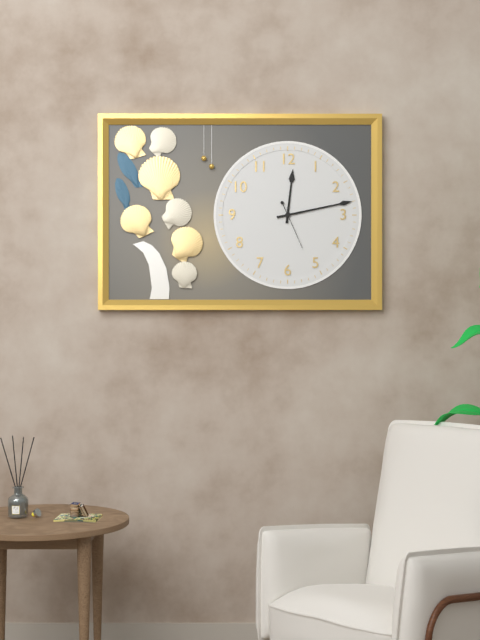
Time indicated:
12h13
